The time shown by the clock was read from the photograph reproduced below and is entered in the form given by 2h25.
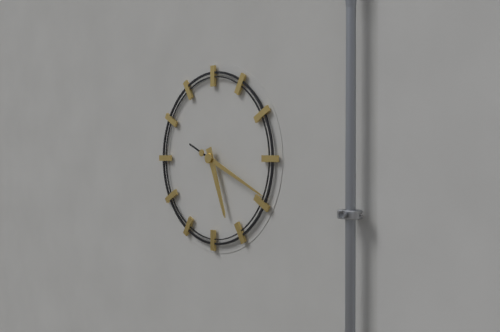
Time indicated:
5h19
